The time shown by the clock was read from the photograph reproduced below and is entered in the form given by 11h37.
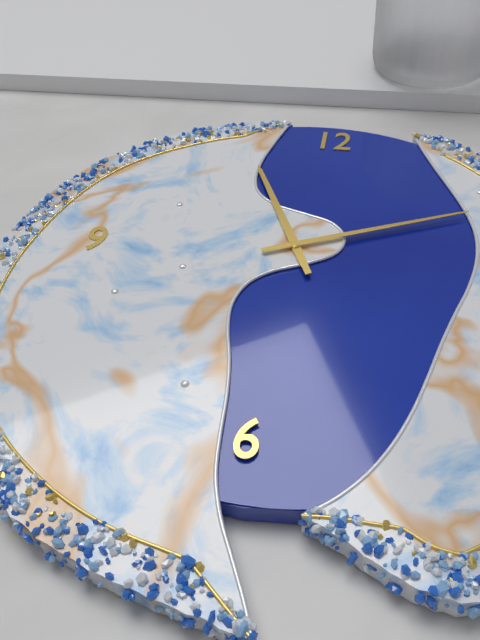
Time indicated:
11h11
